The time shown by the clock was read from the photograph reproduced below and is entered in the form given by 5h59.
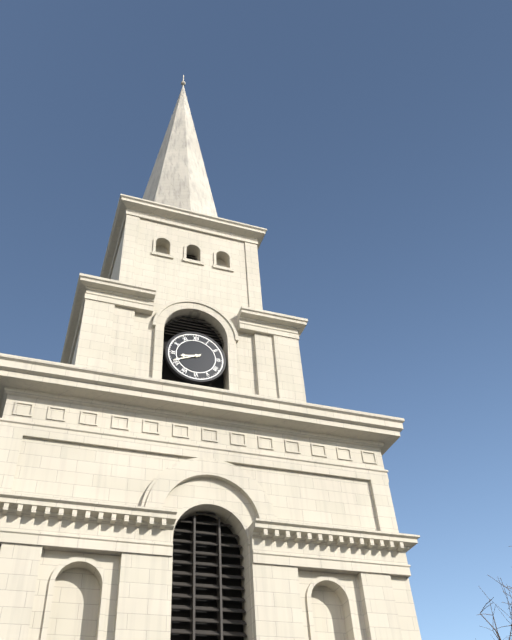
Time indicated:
8h41
